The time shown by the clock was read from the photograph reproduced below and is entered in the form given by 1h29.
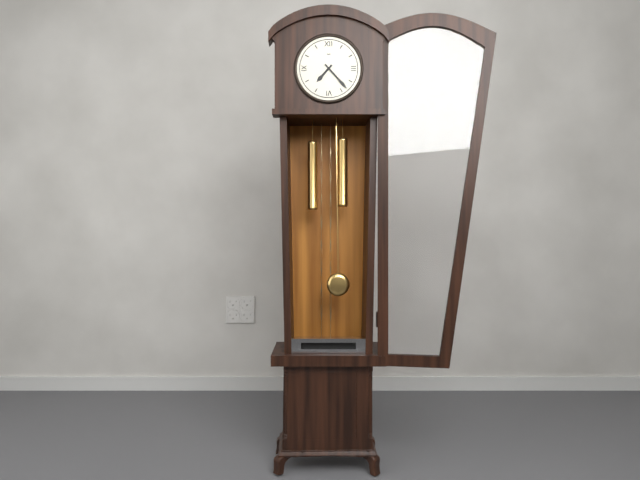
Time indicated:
7h23
